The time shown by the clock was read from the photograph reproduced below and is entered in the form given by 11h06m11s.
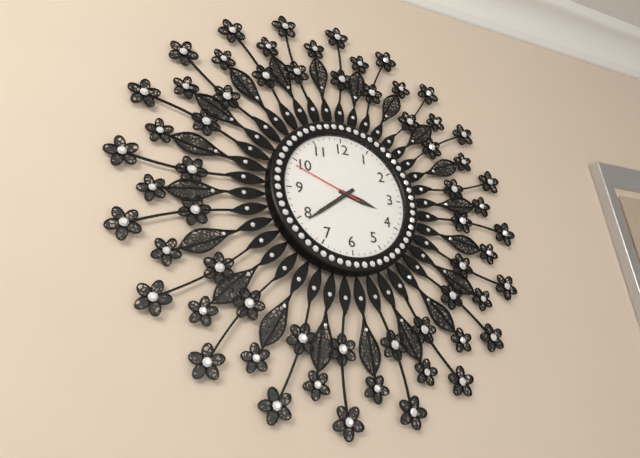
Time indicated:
3h39m49s
